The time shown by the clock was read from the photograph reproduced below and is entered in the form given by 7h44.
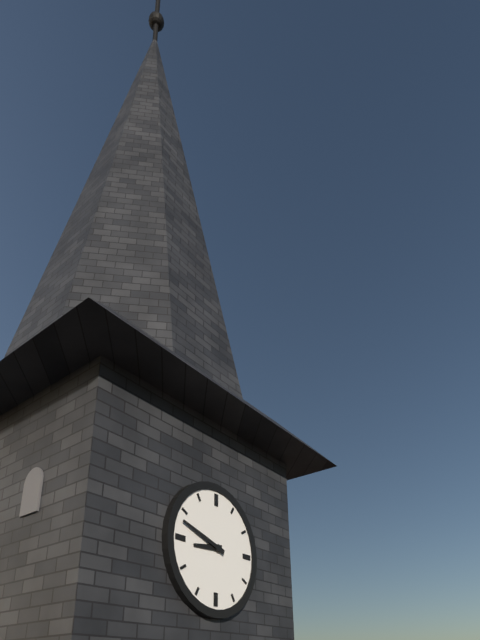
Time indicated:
8h48
